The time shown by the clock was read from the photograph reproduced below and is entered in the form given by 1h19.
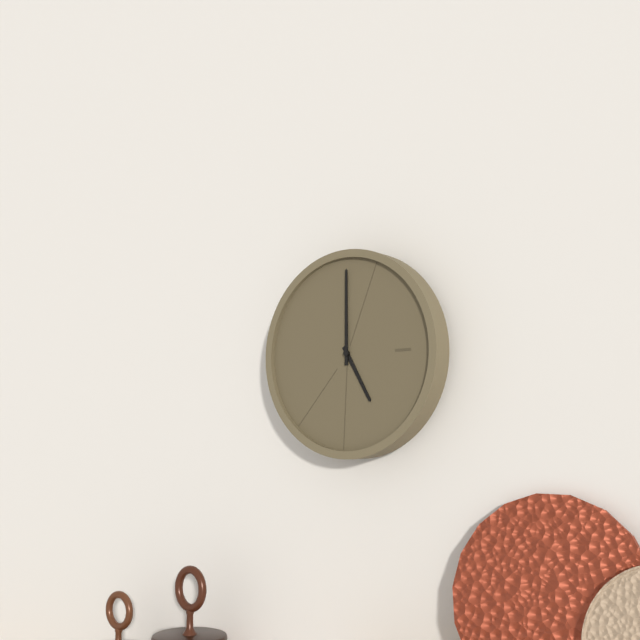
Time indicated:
5h00
